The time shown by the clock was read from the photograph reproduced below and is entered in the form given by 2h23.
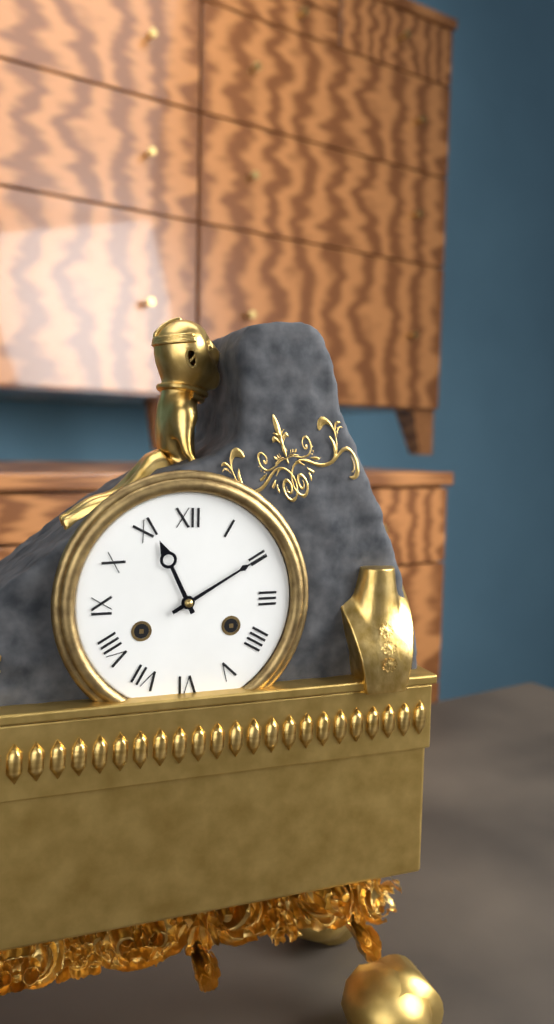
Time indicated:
11h10
